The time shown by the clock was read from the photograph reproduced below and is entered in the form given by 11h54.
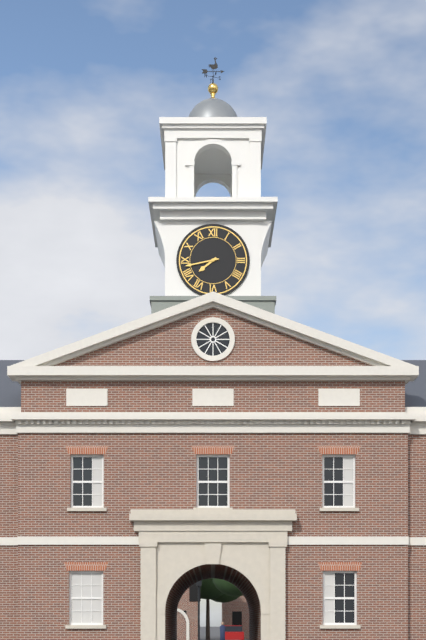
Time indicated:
7h43
